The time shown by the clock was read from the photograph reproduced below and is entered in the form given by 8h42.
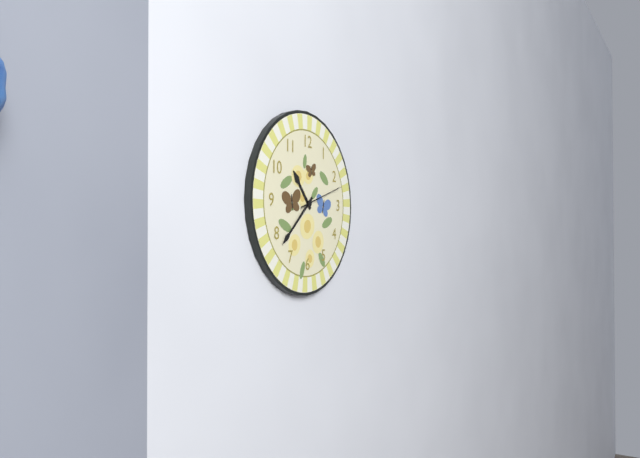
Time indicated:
10h38
